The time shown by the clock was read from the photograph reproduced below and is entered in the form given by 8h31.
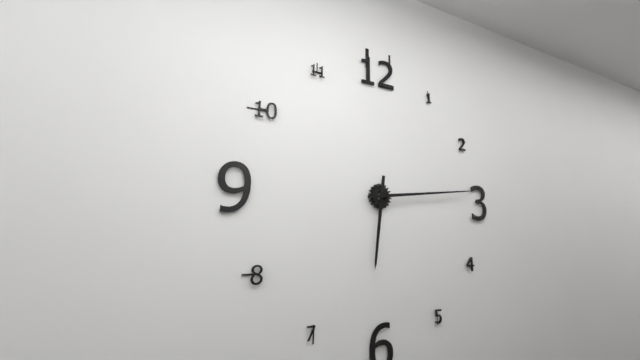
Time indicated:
6h14
